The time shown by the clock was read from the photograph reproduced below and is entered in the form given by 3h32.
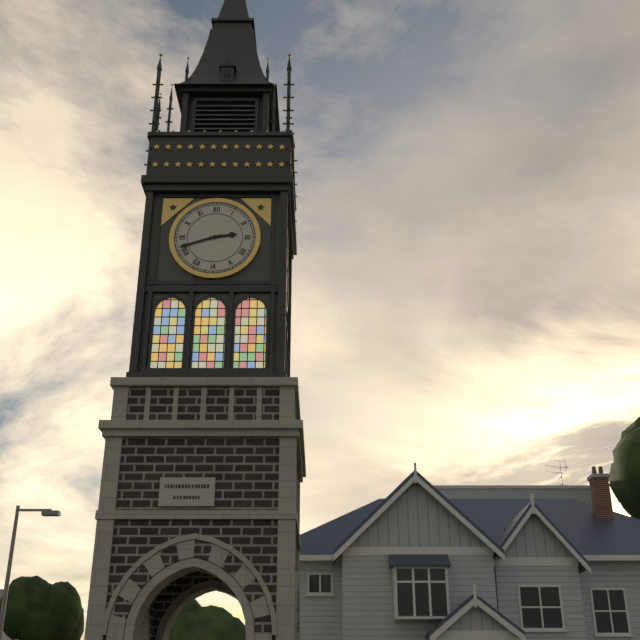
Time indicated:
2h42
